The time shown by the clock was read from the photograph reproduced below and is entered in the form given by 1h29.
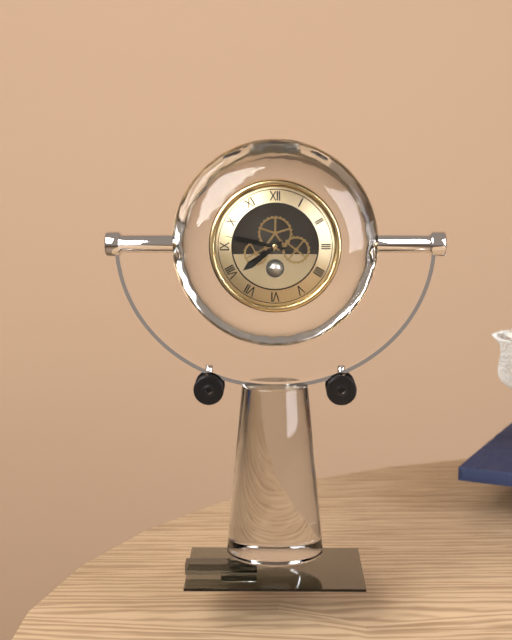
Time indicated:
7h47
